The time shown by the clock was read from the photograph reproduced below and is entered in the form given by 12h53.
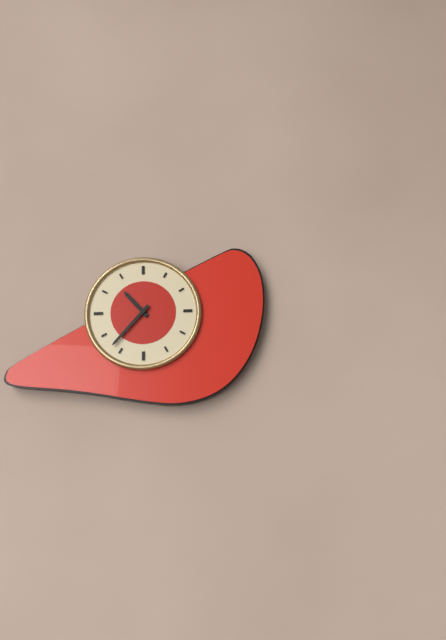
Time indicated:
10h37
